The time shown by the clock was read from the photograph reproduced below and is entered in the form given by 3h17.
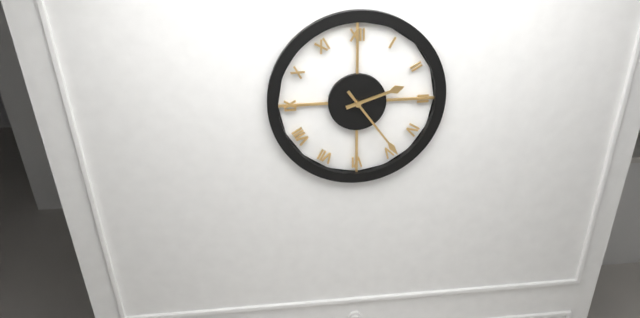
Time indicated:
2h24
